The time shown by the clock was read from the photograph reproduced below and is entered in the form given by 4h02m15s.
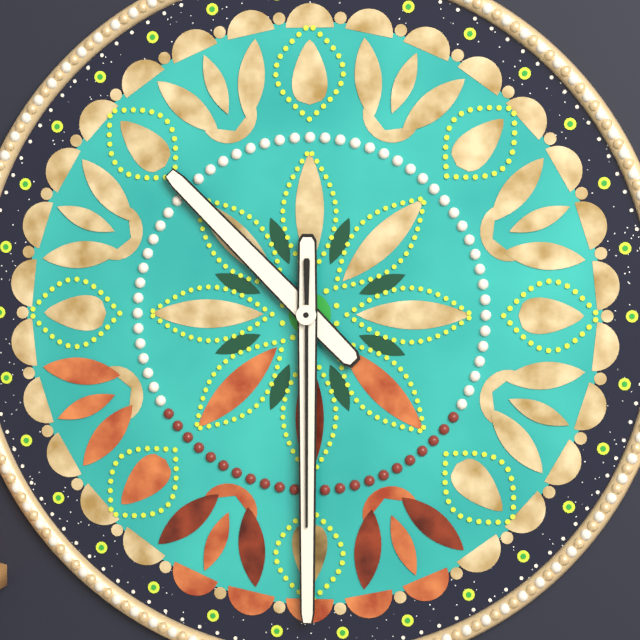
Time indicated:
10h30m30s
